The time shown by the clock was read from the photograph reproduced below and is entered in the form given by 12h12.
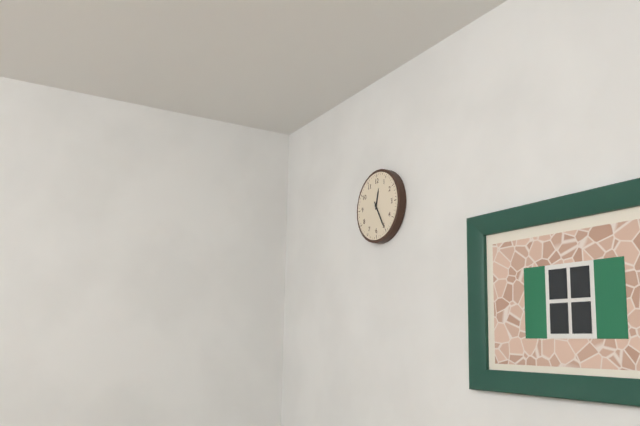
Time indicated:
12h25
